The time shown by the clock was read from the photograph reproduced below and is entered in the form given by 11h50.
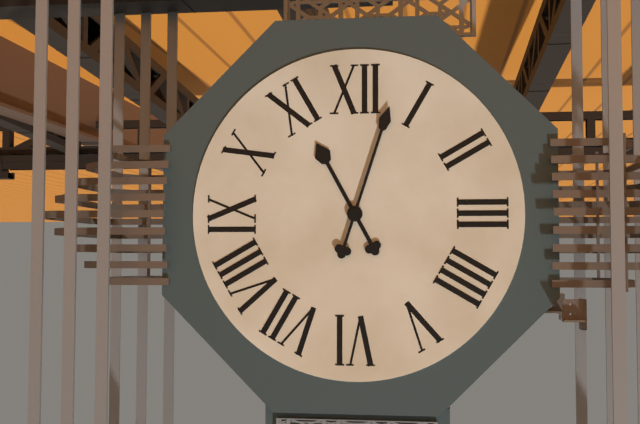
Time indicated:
11h03
